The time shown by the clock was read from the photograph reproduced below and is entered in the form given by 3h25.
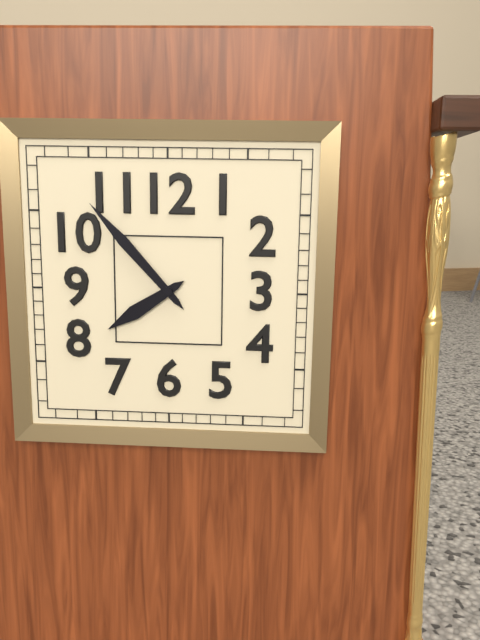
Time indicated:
7h53
